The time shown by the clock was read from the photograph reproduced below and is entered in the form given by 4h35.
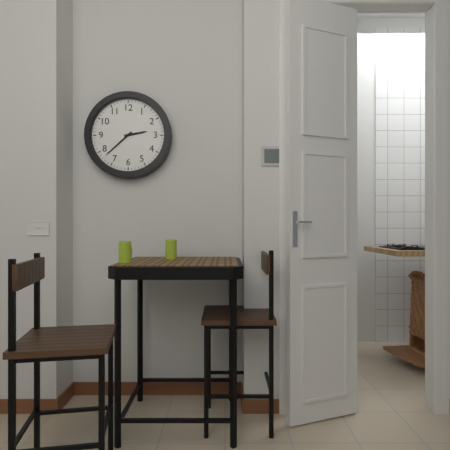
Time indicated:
2h38
